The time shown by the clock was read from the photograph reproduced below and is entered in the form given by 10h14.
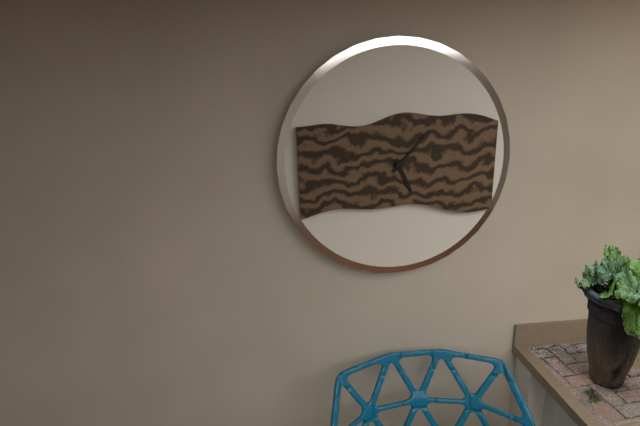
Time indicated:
5h07
